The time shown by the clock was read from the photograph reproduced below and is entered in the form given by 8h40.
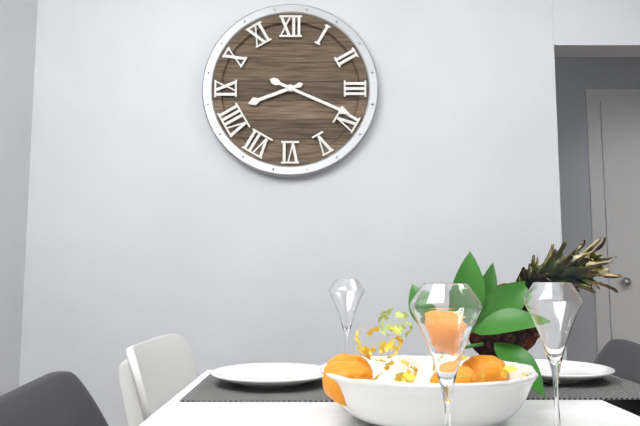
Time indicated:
8h19
